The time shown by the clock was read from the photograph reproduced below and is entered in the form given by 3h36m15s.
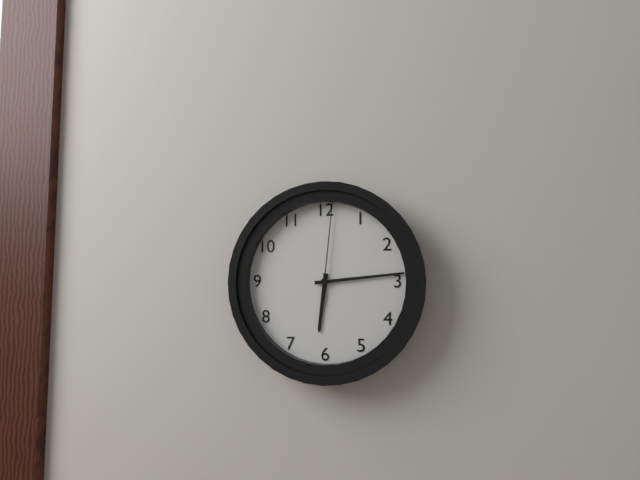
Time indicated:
6h14m01s
